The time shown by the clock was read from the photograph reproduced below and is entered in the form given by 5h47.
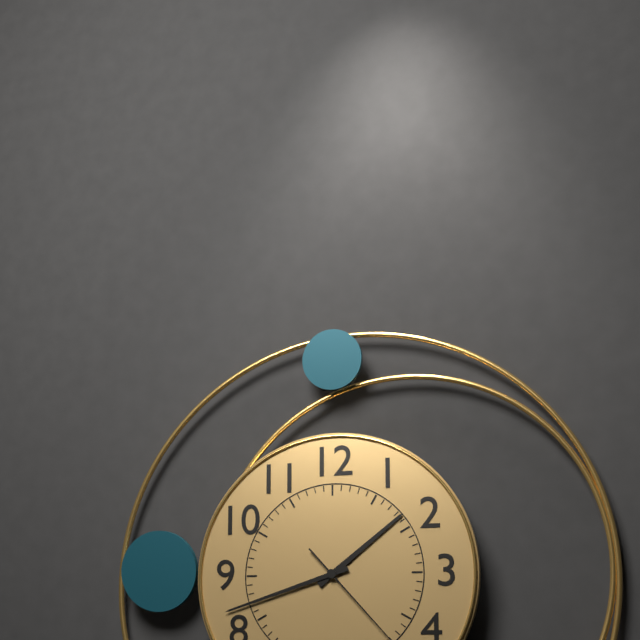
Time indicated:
1h42
